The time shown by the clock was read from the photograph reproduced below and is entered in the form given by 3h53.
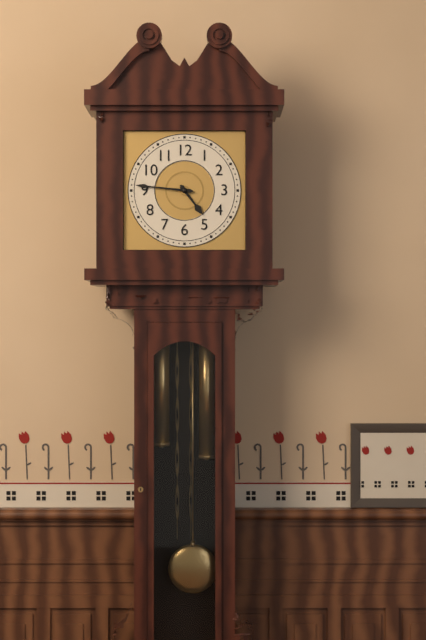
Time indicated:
4h46
